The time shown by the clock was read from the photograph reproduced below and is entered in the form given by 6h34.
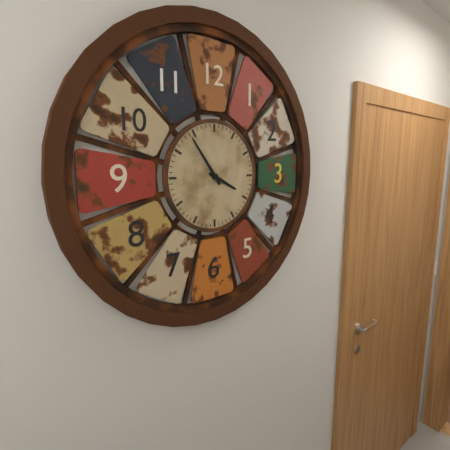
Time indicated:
3h54
